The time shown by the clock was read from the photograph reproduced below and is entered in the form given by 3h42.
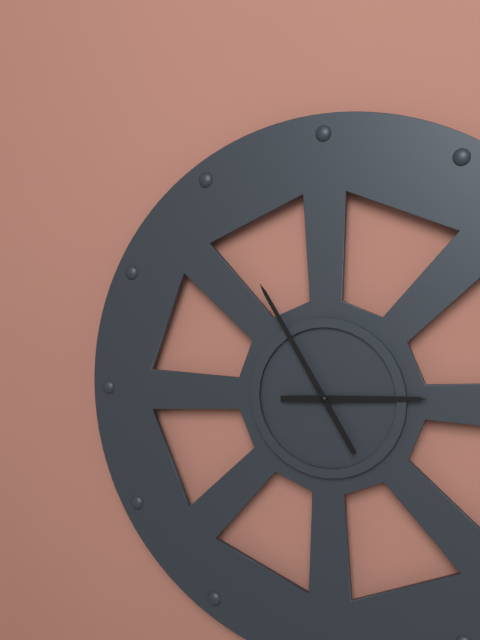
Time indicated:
2h55
